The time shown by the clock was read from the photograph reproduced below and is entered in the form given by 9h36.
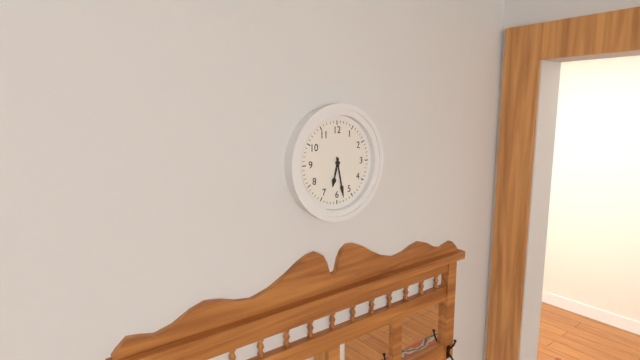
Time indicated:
6h28
